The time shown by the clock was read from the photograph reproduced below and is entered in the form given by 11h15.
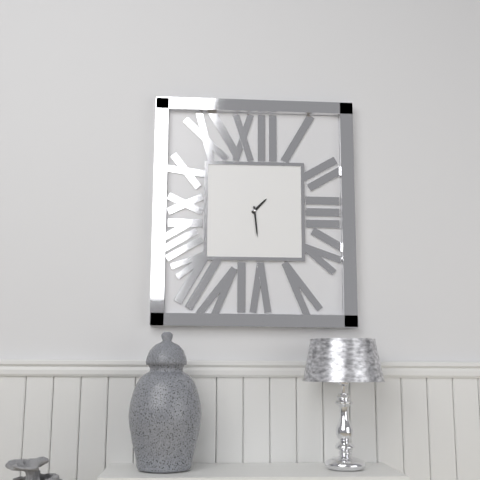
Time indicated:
1h29
